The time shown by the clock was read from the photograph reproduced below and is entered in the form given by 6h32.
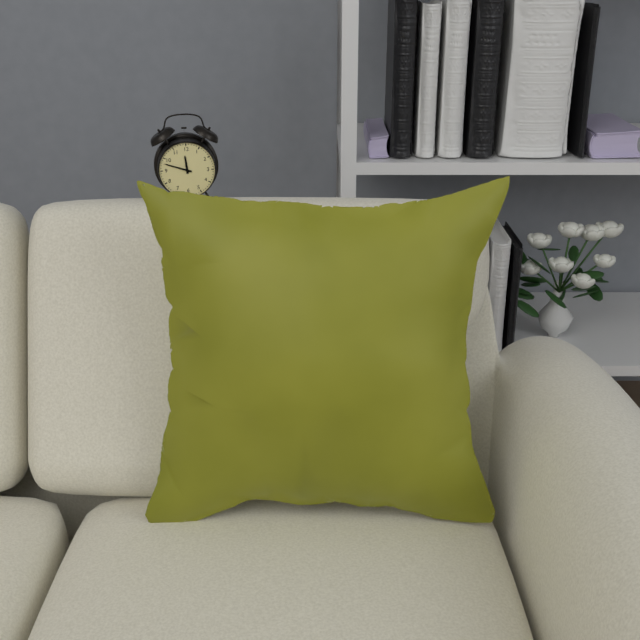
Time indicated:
11h48
